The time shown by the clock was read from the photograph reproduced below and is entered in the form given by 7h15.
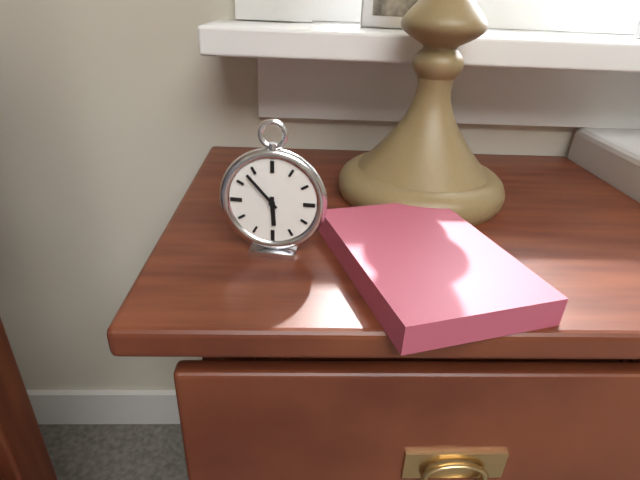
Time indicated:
5h53
